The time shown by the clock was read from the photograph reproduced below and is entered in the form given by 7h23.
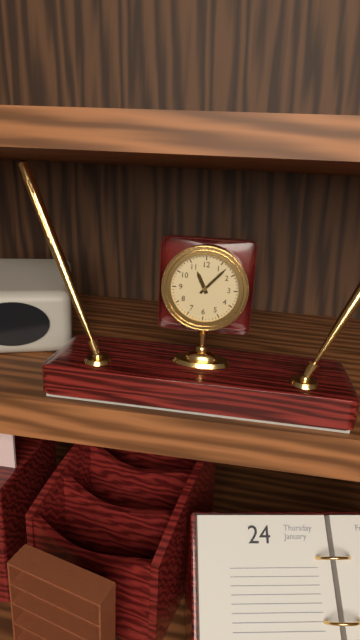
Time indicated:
11h07
